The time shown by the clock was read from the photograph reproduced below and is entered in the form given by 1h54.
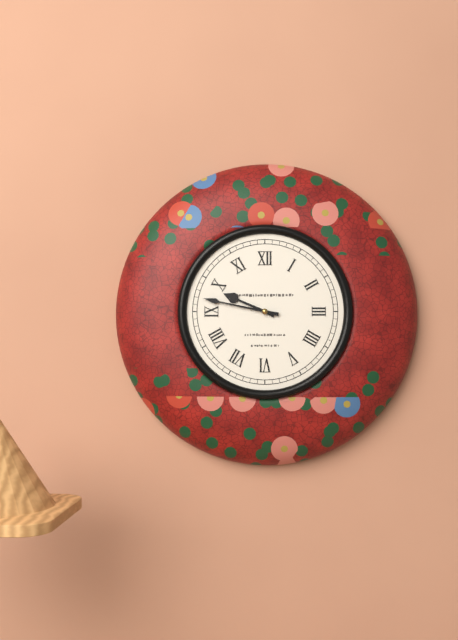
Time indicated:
9h47
